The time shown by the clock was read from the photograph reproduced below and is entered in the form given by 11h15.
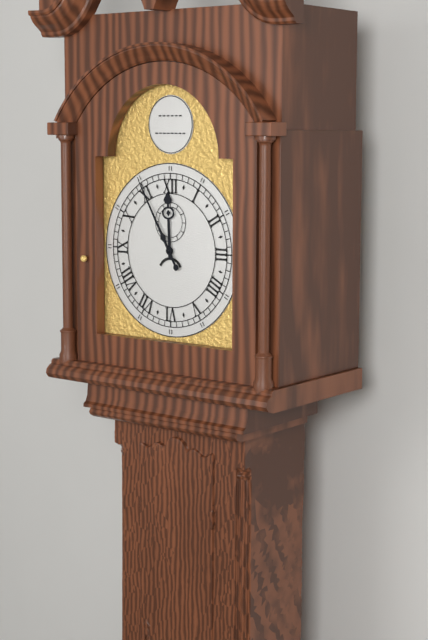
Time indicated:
11h55
